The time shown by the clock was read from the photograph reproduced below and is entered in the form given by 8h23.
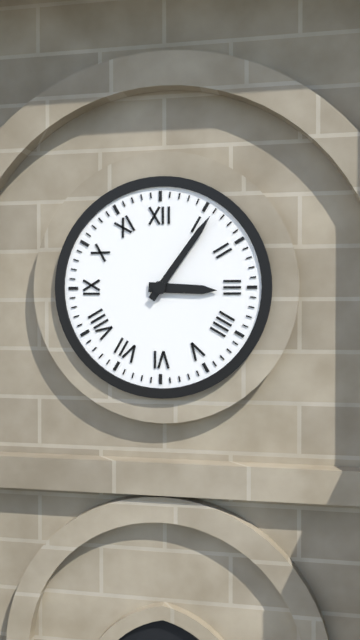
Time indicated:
3h06
